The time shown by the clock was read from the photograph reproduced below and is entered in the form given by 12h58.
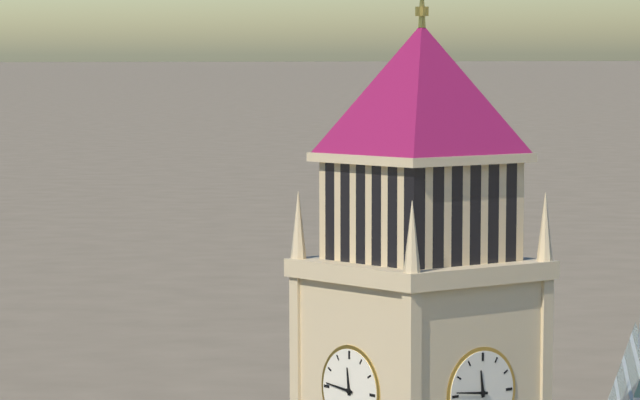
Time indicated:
11h46
